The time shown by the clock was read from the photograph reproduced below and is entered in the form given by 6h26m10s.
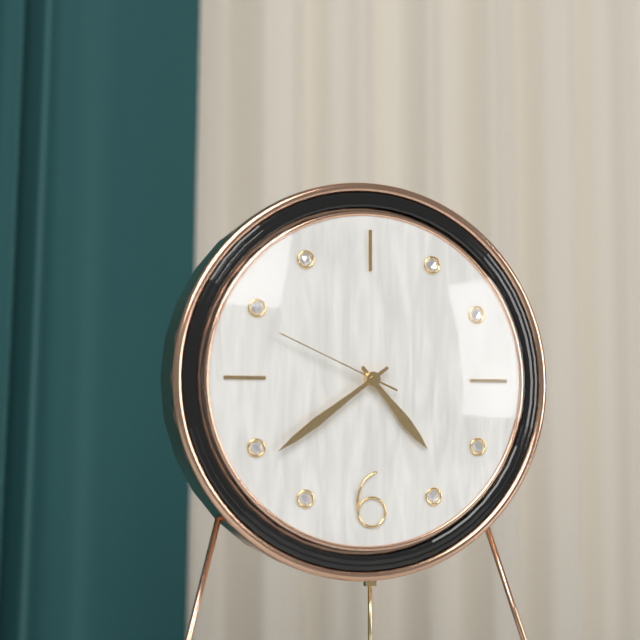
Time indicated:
4h39m49s
